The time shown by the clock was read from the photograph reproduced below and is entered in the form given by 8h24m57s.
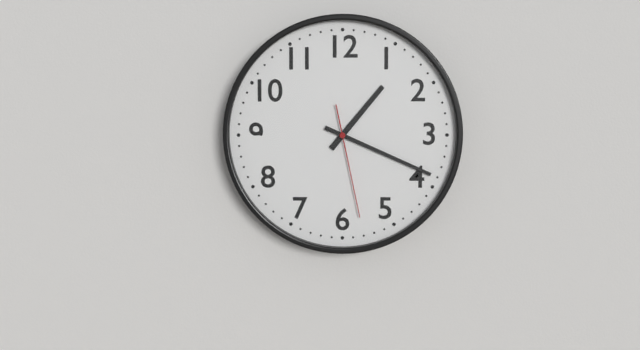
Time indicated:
1h19m28s
